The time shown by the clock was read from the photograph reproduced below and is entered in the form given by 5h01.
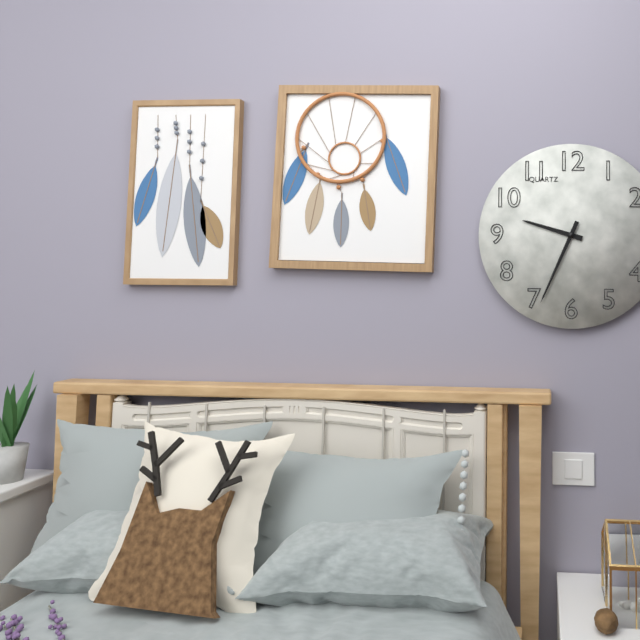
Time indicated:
9h34
